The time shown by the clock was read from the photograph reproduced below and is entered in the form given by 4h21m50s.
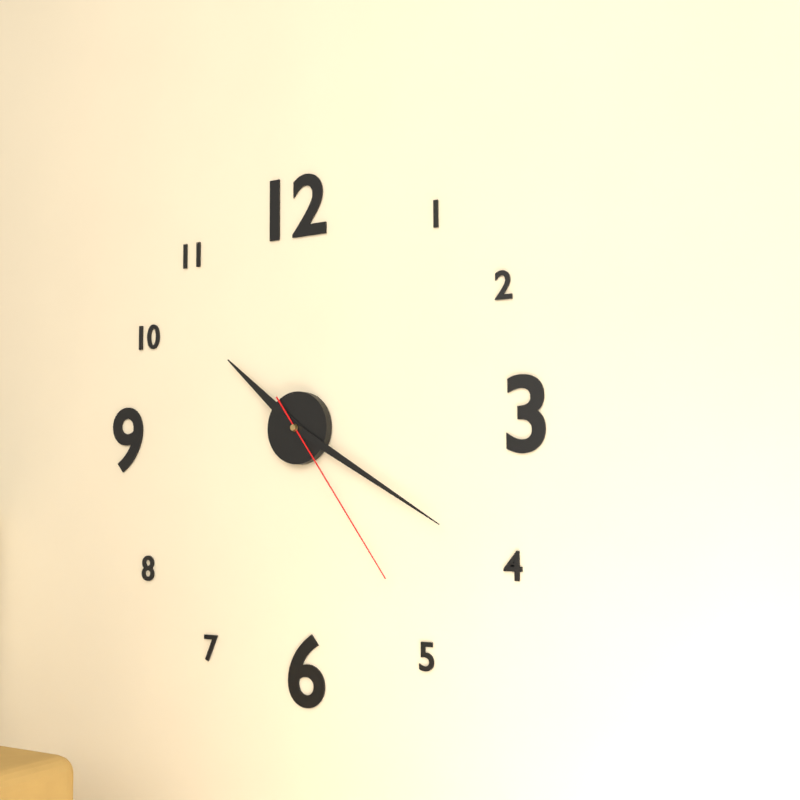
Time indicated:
10h20m24s
